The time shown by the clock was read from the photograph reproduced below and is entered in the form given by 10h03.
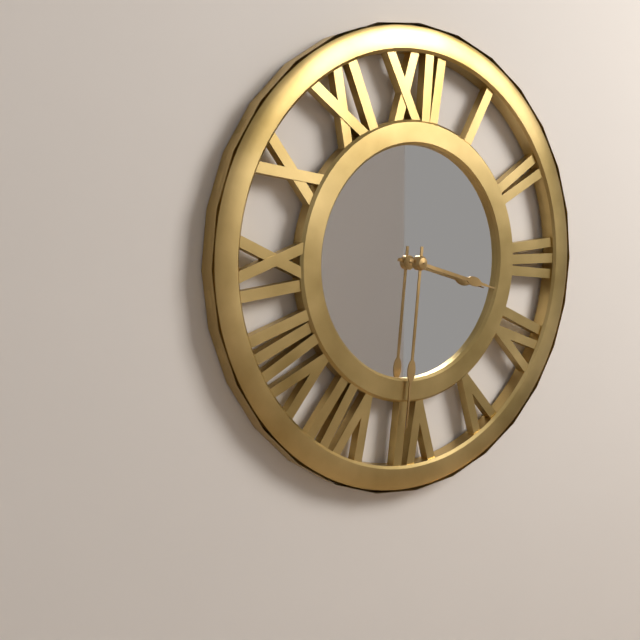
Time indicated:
3h31
